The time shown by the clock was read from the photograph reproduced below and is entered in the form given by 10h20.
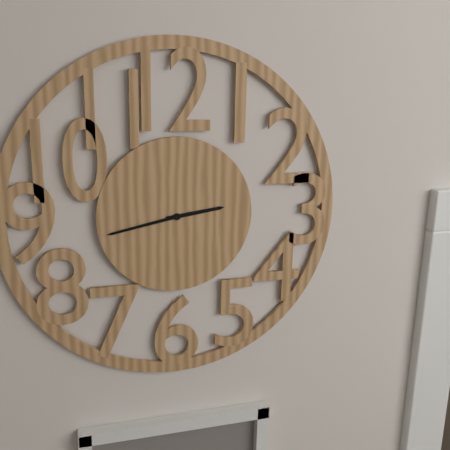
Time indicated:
2h43
